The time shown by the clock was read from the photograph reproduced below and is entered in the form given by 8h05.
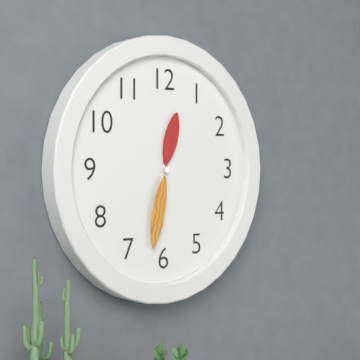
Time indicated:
12h32
